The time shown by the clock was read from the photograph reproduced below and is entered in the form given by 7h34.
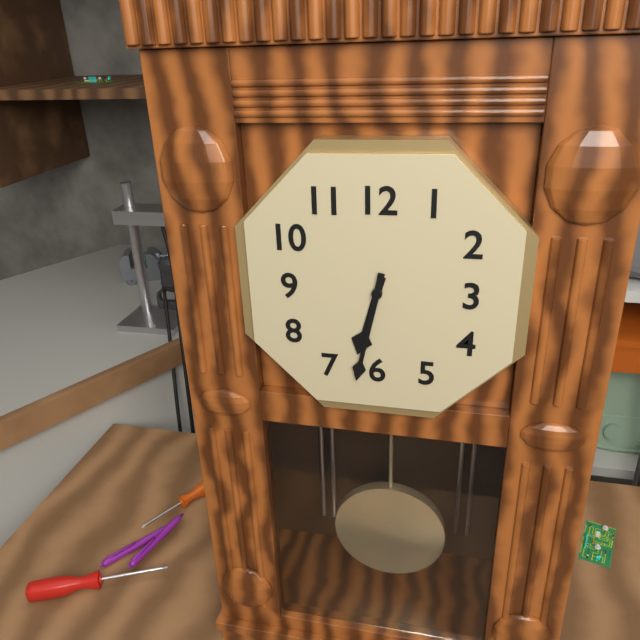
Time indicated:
6h32
